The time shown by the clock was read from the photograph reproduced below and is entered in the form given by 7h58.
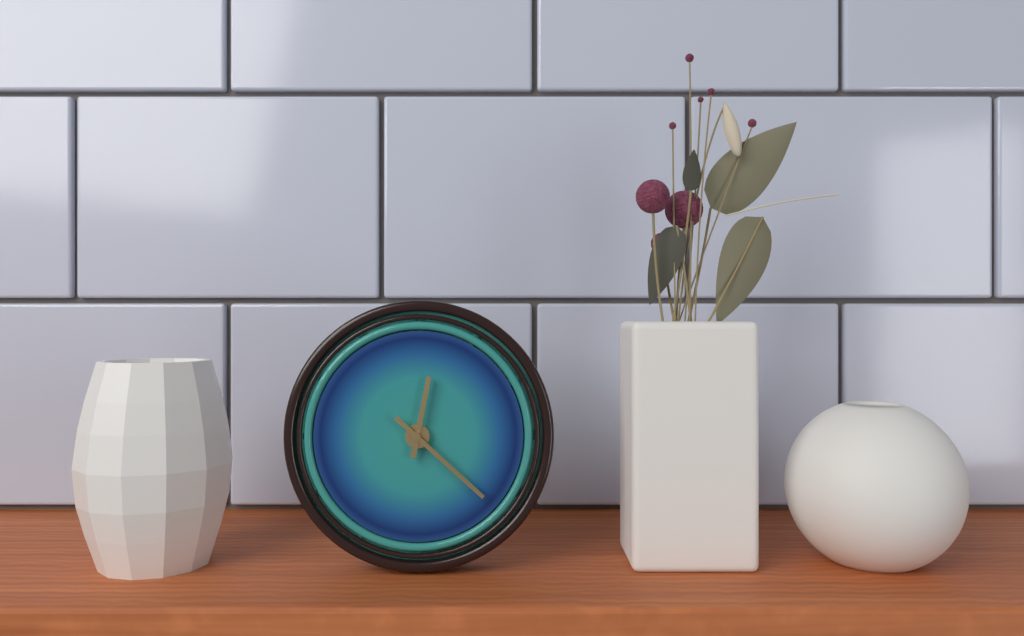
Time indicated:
12h22
